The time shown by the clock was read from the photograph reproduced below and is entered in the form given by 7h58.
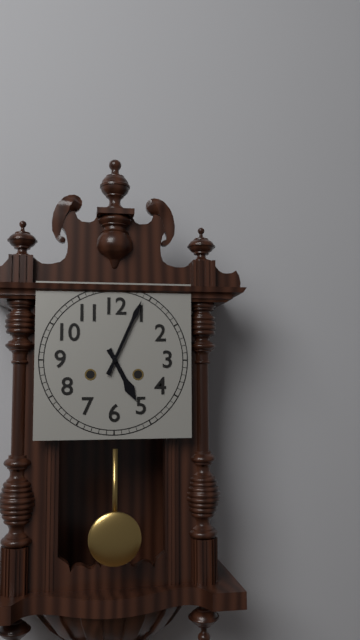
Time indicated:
5h04
